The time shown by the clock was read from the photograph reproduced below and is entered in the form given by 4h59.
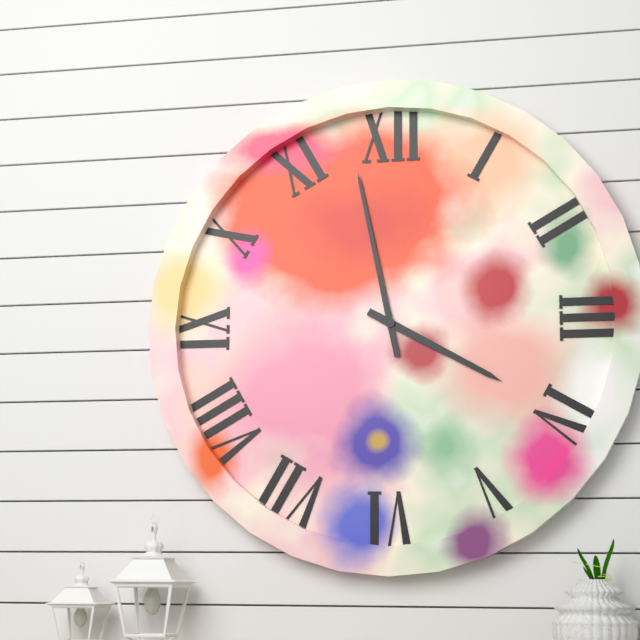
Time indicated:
3h58
